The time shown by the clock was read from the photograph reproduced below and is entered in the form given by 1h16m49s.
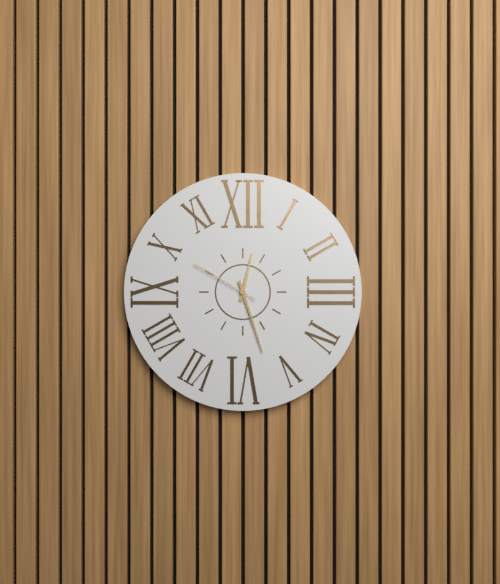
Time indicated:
12h27m50s
